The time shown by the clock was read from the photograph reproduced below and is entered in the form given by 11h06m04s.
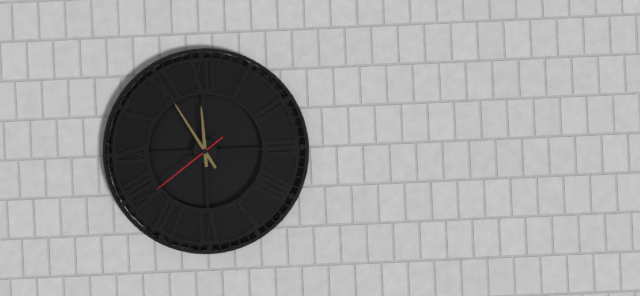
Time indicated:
11h55m39s
